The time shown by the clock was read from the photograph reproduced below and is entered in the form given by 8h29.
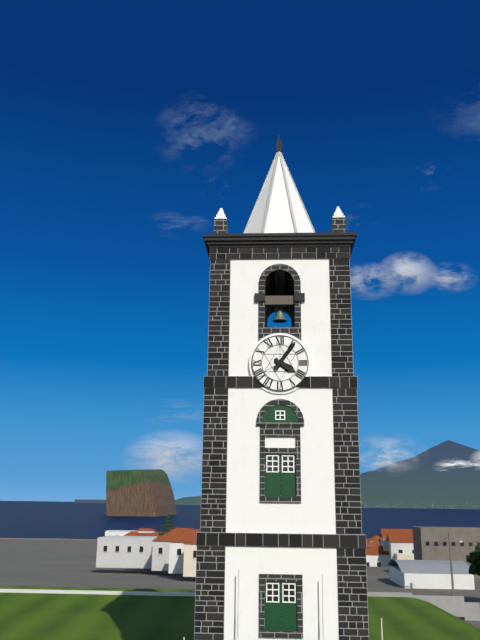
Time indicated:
4h06
